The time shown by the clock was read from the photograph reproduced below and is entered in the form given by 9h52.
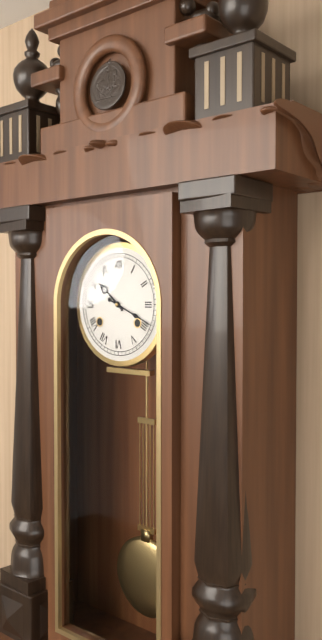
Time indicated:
10h19
